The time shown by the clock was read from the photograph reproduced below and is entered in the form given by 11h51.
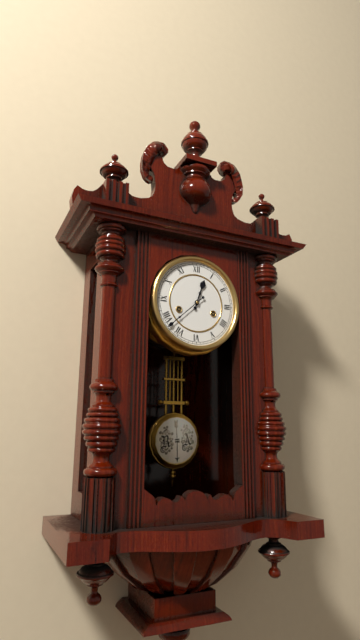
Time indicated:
12h38
